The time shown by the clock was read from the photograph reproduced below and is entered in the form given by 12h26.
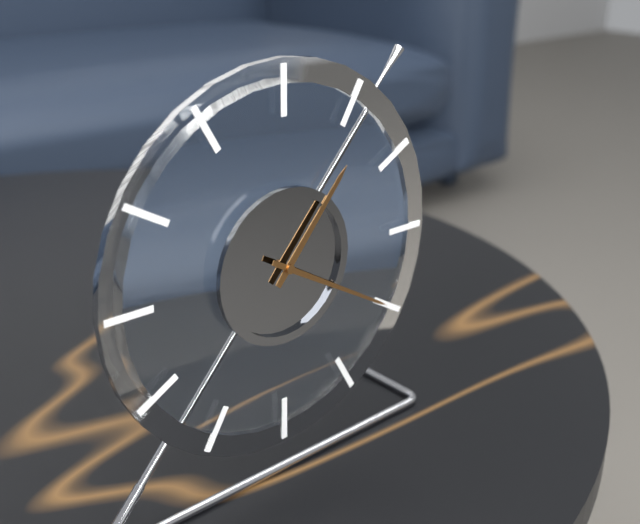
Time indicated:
1h20
